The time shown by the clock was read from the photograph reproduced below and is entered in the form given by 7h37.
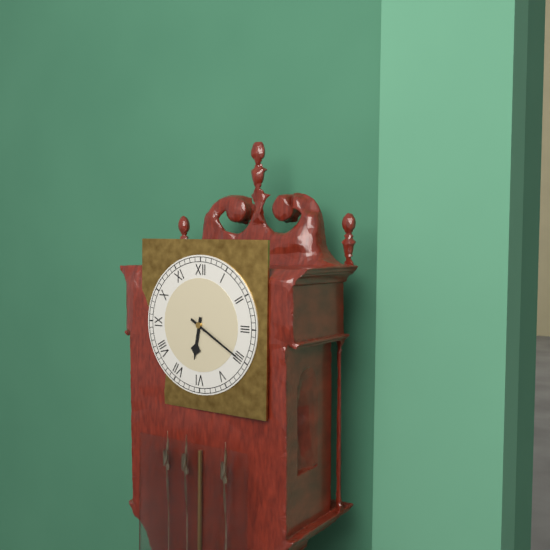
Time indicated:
6h20
